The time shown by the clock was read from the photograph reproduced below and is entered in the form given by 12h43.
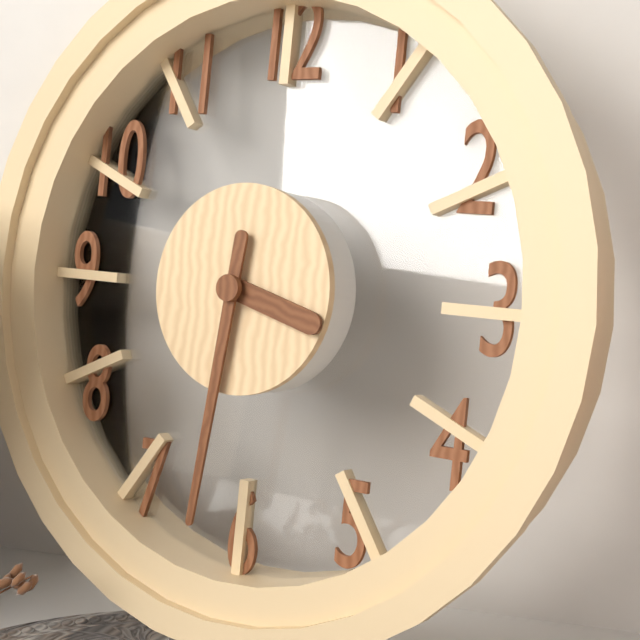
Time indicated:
3h31
